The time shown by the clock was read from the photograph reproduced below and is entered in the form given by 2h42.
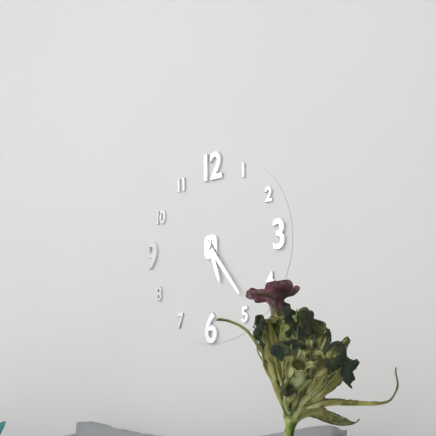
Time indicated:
5h24
